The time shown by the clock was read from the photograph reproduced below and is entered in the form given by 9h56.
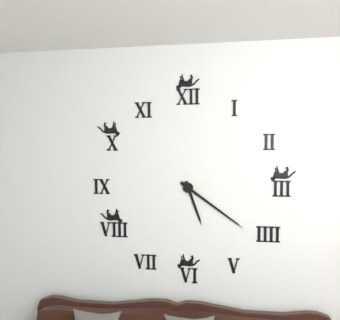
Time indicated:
5h21
